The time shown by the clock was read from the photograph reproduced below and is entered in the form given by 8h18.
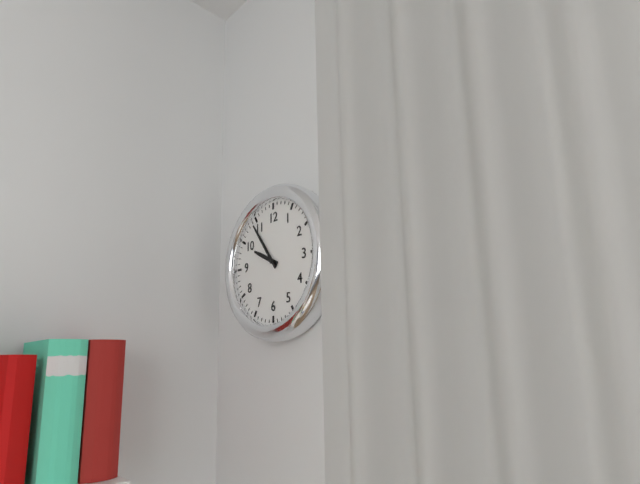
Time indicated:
9h54
